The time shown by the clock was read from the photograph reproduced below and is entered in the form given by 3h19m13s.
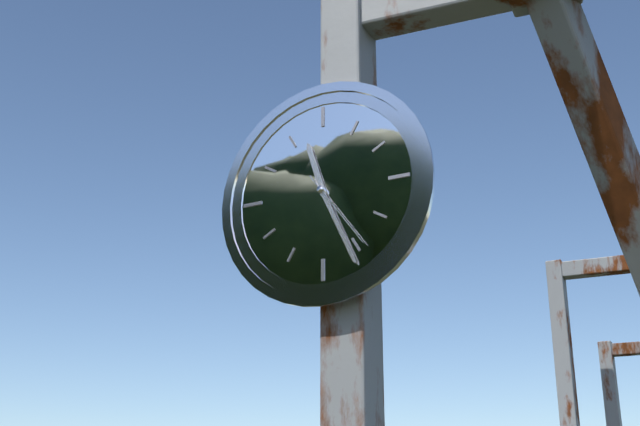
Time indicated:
11h26m24s
